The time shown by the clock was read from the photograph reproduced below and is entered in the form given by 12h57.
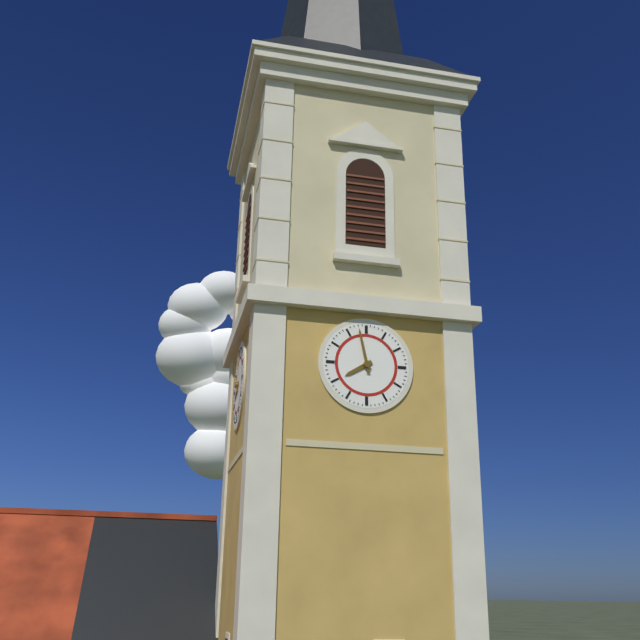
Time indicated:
7h58
